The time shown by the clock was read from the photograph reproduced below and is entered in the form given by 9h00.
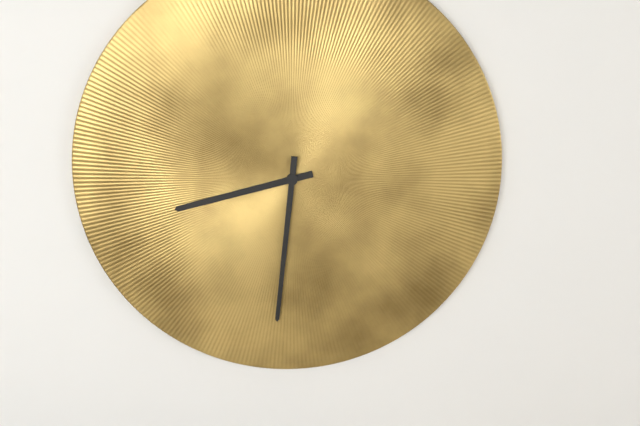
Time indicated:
8h31
